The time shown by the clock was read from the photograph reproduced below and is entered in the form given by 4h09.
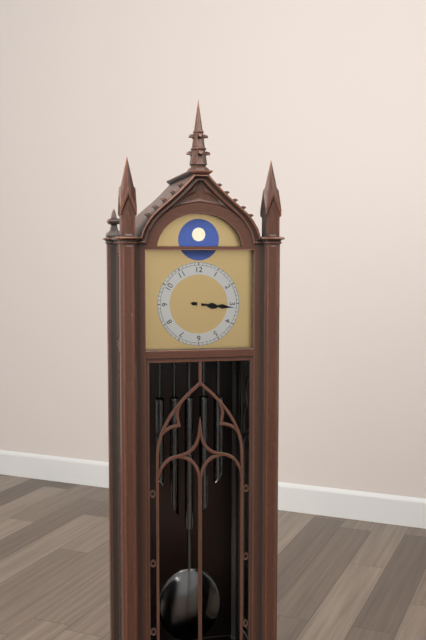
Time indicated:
3h16
